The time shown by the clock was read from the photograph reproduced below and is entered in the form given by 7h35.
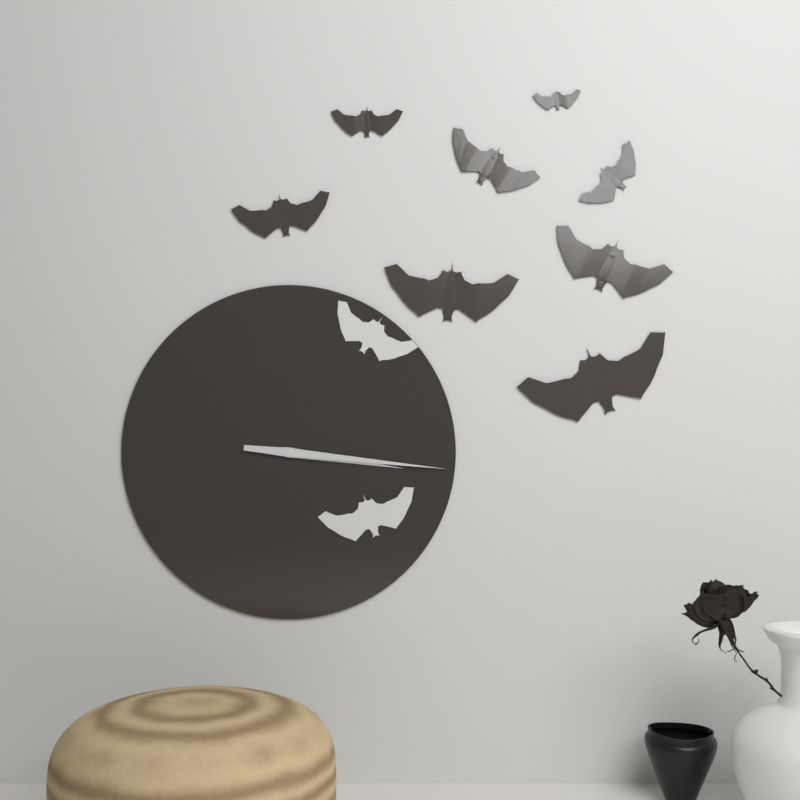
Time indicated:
3h16
